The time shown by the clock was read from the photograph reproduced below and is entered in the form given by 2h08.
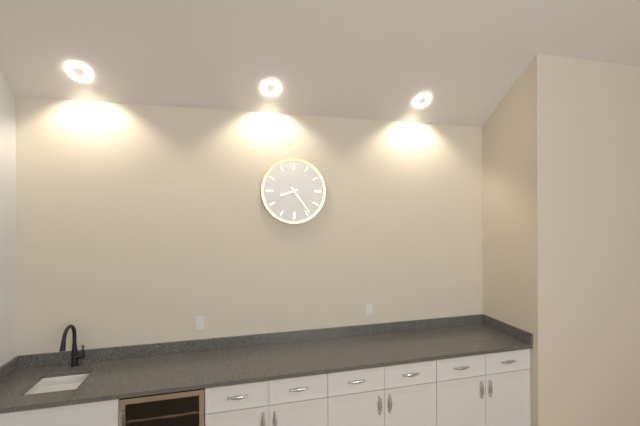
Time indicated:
8h24
